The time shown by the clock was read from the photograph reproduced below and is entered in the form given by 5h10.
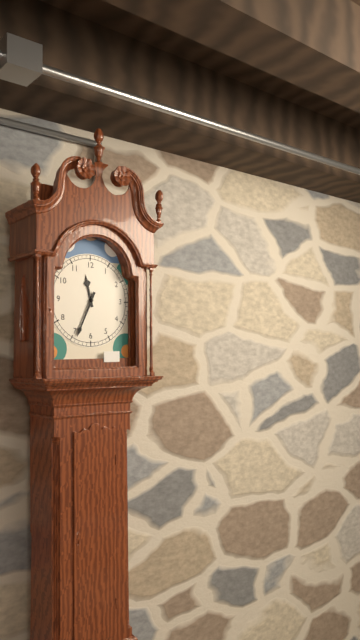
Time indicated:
11h34
